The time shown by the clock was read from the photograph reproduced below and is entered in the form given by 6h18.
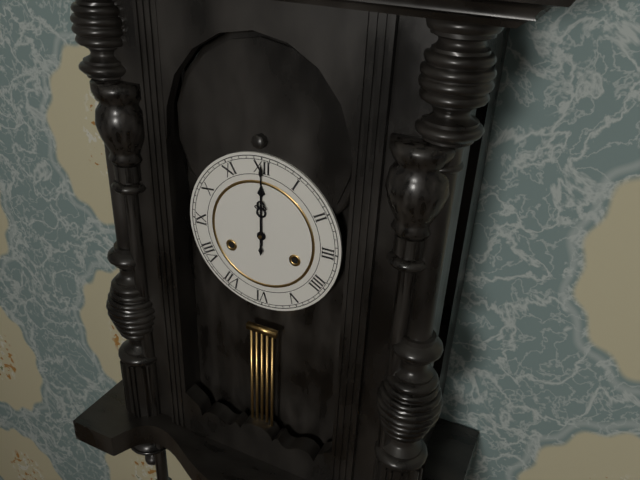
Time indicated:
12h00
